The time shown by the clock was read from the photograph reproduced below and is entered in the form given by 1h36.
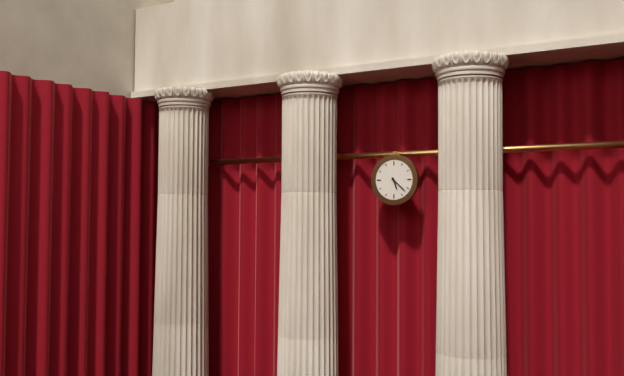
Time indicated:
5h22
